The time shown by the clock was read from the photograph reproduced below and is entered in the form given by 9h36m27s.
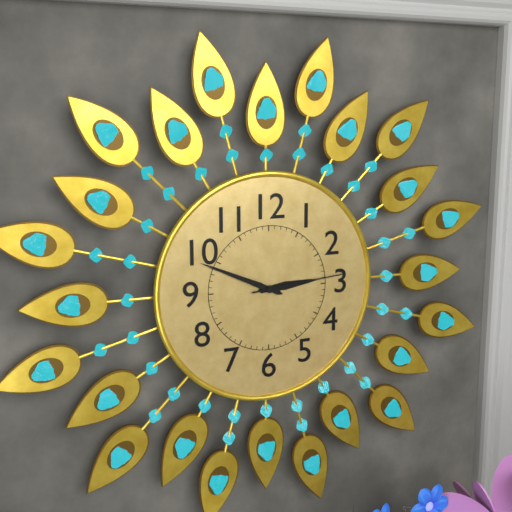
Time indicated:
2h49m14s
